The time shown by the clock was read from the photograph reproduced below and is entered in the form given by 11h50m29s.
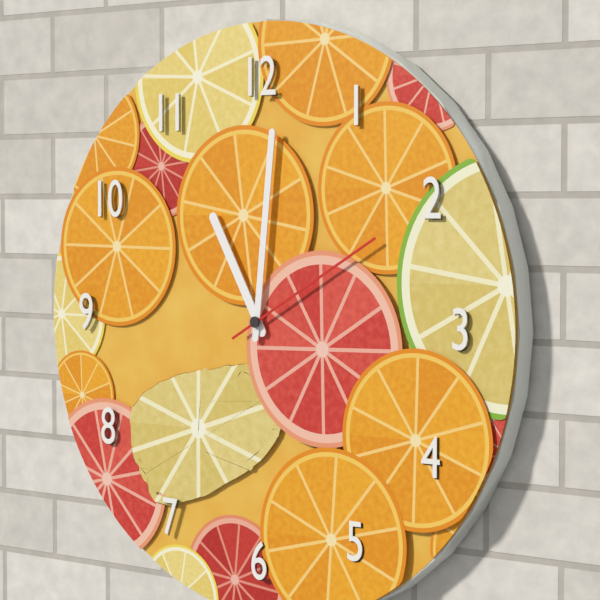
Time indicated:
11h01m10s
